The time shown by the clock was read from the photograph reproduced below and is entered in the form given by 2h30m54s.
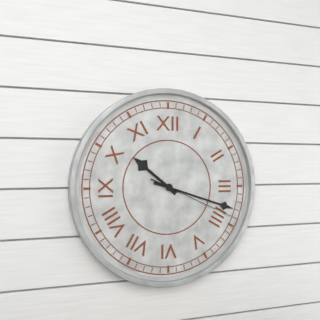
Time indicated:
10h18m19s
